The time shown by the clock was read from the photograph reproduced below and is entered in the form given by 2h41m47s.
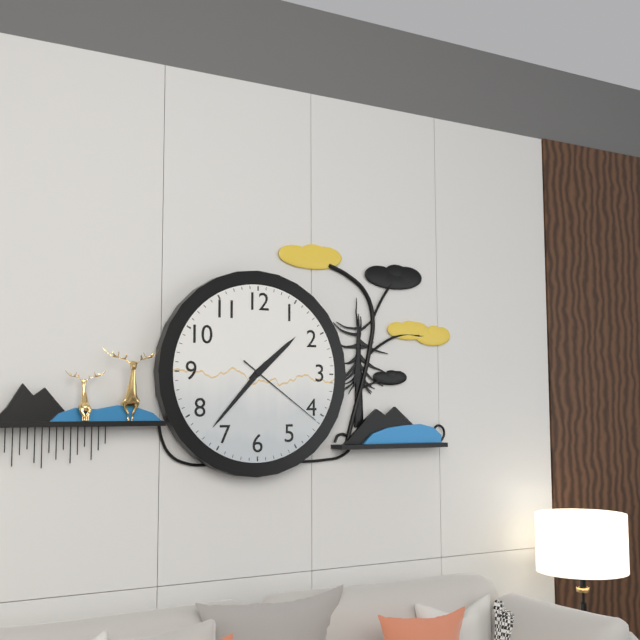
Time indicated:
1h37m21s
